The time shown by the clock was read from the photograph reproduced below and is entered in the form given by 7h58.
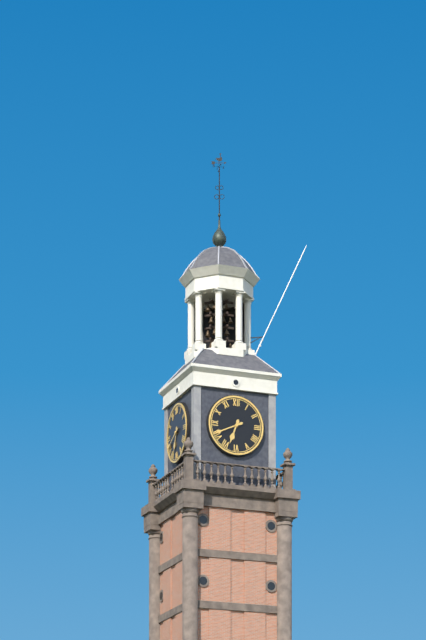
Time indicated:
6h41
